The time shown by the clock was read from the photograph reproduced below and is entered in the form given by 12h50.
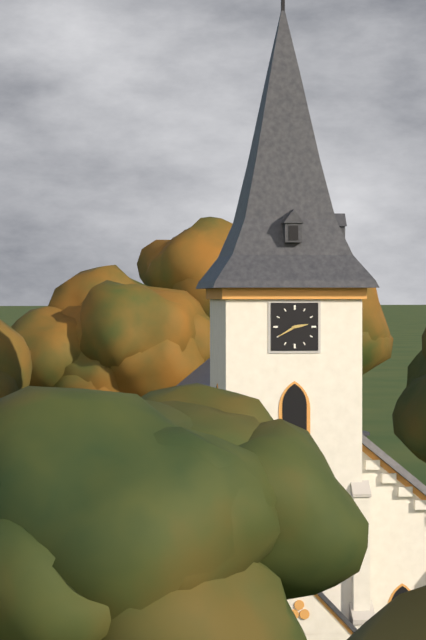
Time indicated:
2h40
